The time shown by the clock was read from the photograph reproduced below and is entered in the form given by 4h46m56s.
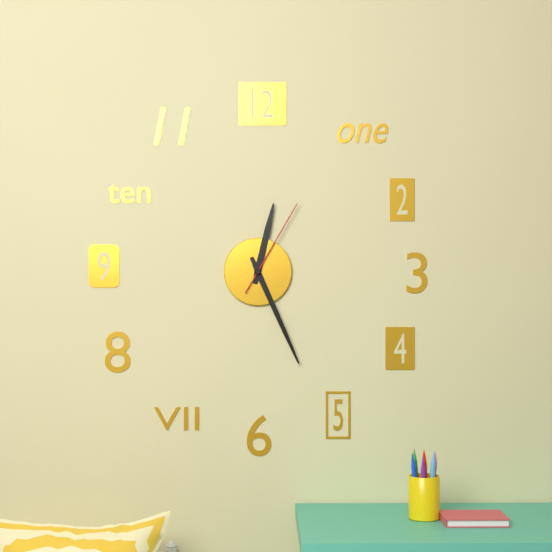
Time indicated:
12h26m05s
